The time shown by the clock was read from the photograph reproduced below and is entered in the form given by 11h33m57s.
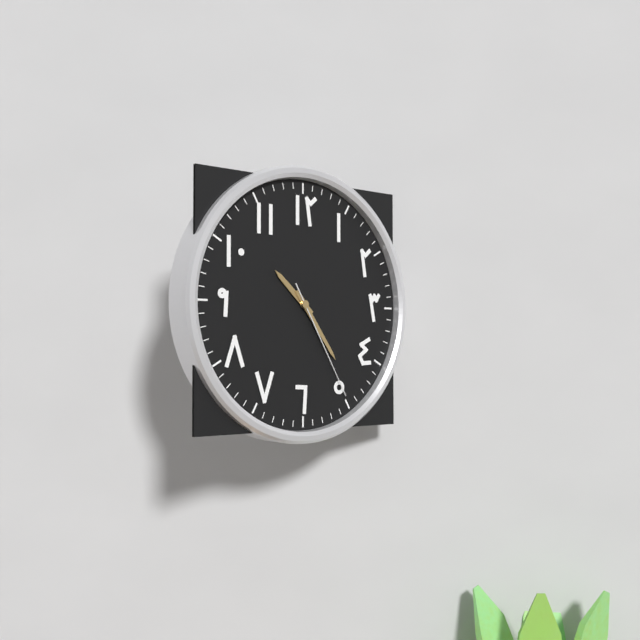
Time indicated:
10h24m25s
